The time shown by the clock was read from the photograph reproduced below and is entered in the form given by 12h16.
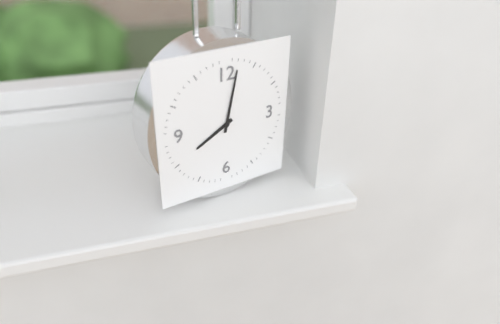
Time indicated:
8h02
